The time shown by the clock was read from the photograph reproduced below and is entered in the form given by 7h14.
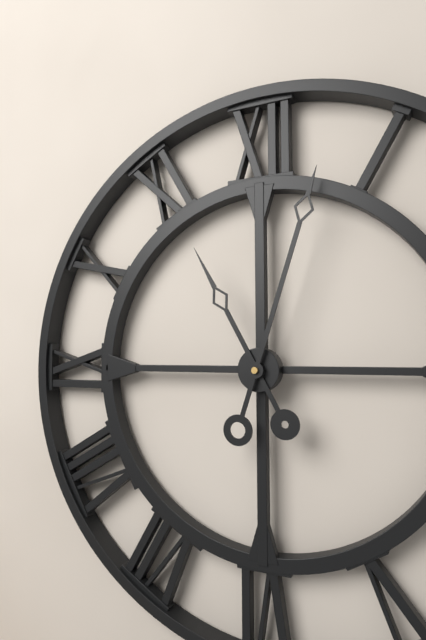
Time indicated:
11h03
